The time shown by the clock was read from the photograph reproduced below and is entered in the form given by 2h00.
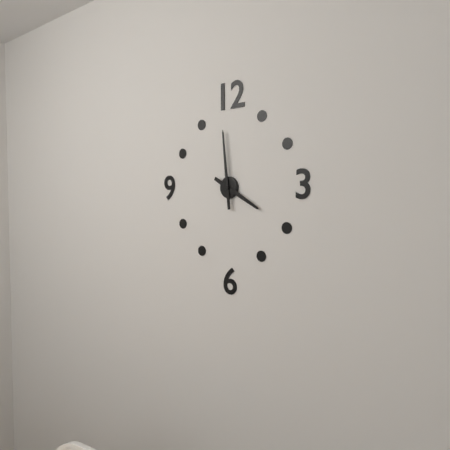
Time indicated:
3h59
